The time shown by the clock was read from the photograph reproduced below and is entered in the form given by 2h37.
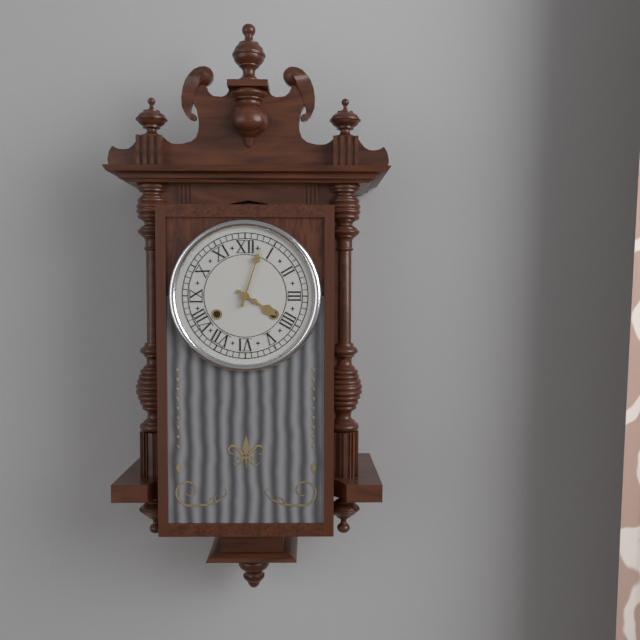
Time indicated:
4h03
